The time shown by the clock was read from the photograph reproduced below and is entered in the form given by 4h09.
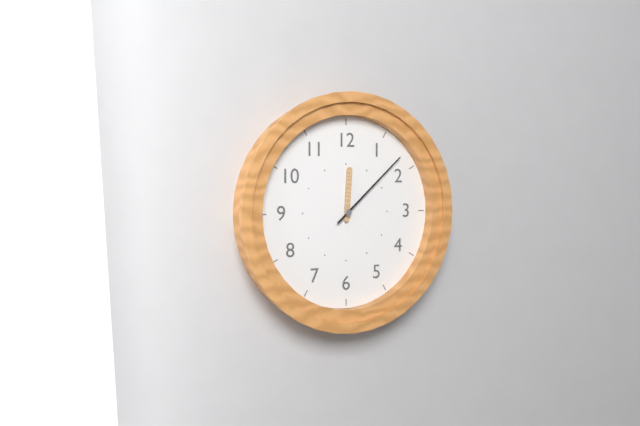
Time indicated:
12h08
